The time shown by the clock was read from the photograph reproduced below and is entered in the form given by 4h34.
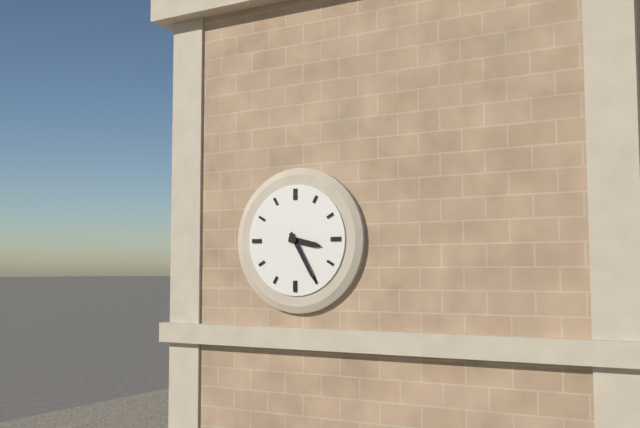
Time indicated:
3h25
